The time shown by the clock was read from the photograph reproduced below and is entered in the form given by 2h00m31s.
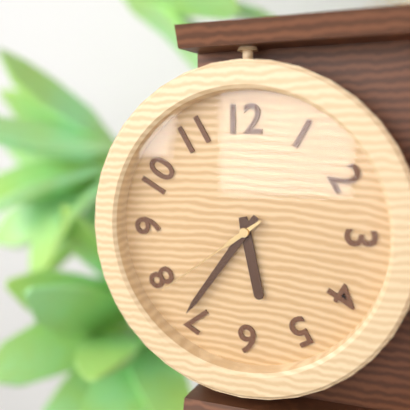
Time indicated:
5h36m39s
